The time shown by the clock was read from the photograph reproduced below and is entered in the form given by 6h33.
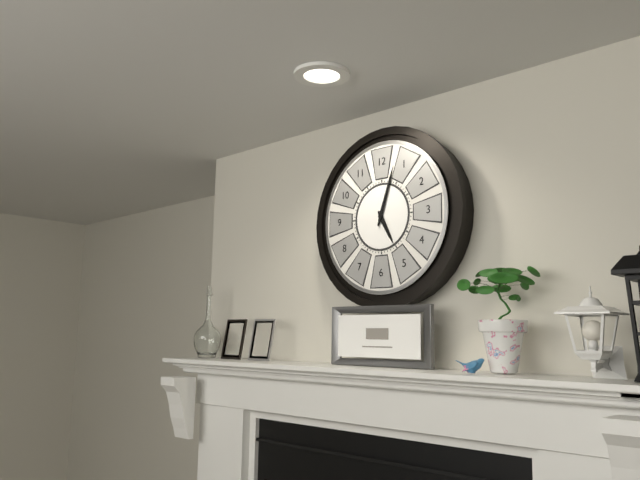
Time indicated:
5h03
